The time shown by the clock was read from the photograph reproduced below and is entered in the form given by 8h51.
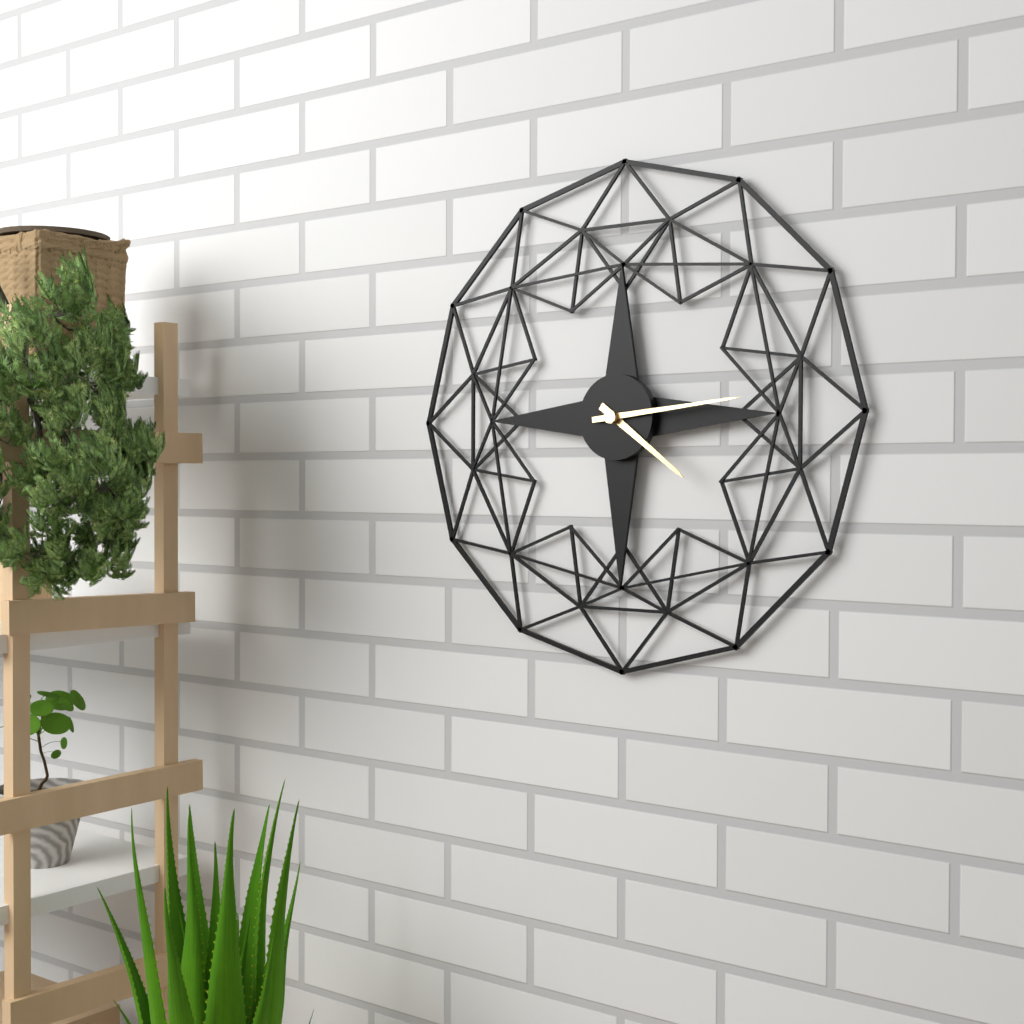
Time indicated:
4h14
